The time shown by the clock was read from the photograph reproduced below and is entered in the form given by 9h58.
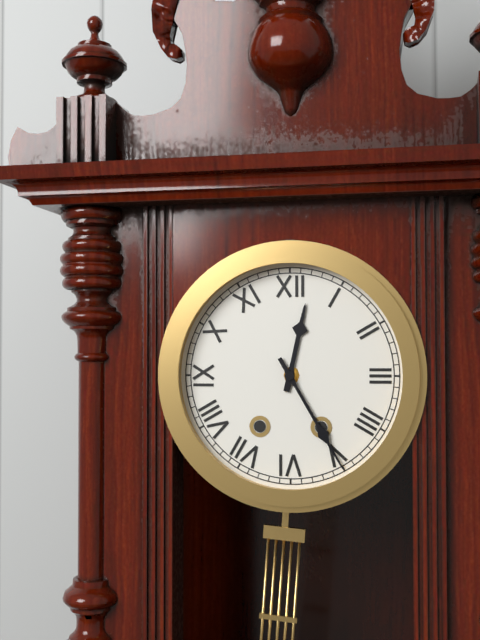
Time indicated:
12h25
